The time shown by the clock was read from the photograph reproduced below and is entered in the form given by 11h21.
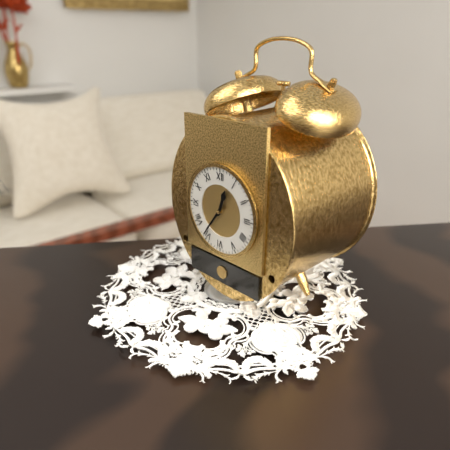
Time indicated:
12h36
